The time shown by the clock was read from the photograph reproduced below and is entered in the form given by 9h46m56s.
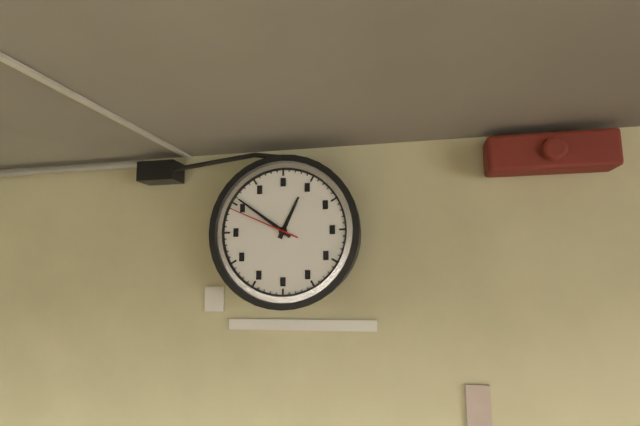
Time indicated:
12h51m49s
